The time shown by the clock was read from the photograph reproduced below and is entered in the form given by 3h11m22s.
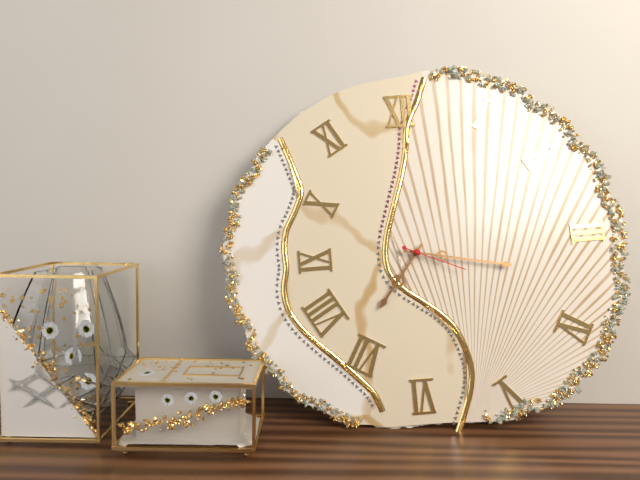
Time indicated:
7h17m19s
